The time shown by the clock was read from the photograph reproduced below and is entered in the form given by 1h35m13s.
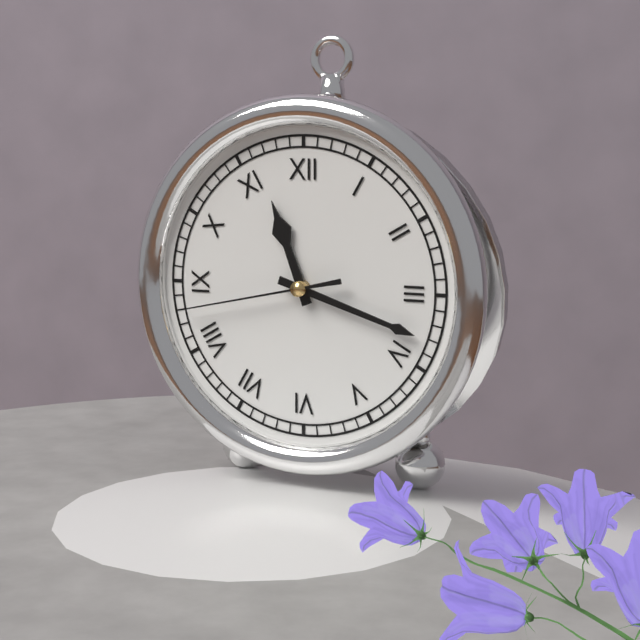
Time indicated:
11h18m43s
